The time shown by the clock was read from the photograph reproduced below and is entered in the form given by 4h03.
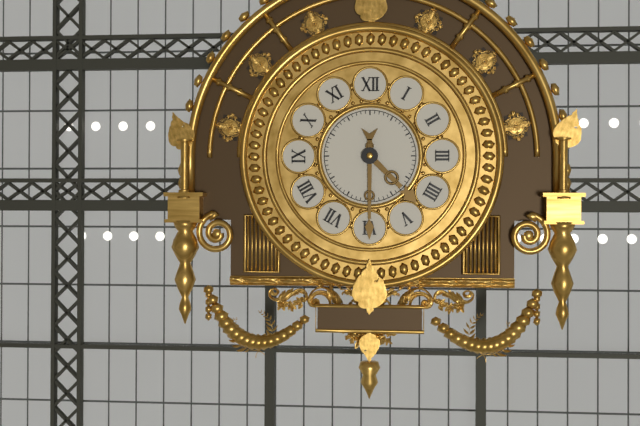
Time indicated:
4h30
